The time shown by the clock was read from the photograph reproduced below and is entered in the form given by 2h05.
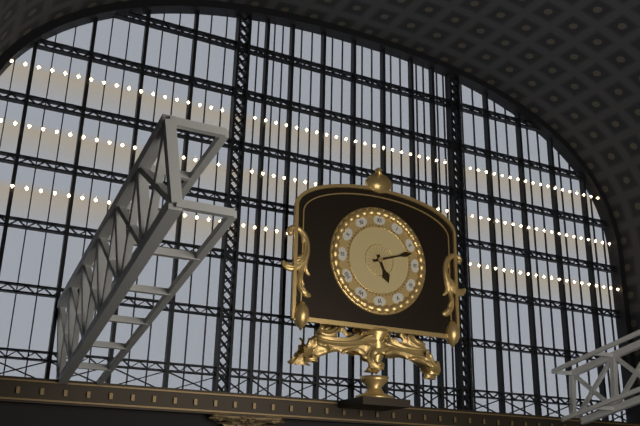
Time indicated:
5h12
